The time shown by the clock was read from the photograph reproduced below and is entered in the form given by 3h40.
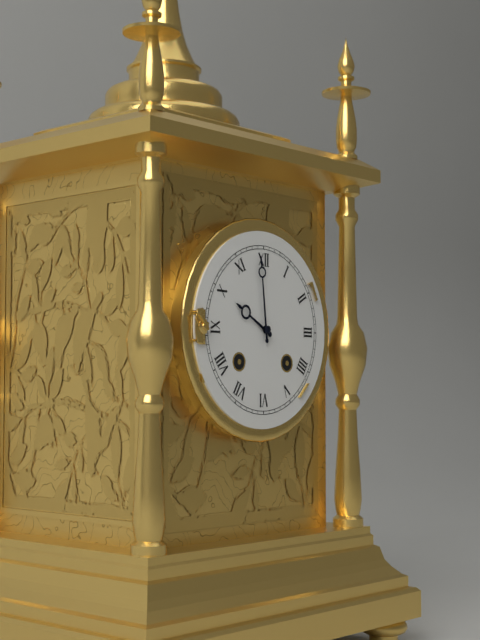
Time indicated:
9h59
